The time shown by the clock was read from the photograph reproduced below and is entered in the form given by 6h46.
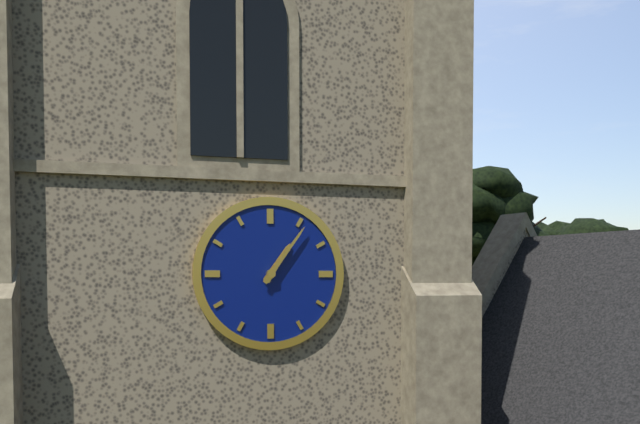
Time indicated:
1h06
